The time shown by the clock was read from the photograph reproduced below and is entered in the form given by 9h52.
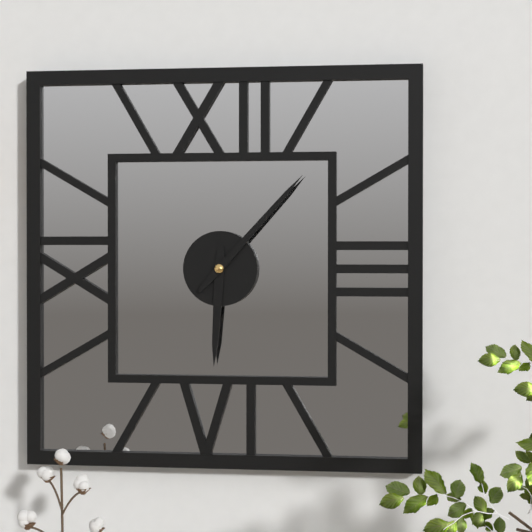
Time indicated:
6h07
